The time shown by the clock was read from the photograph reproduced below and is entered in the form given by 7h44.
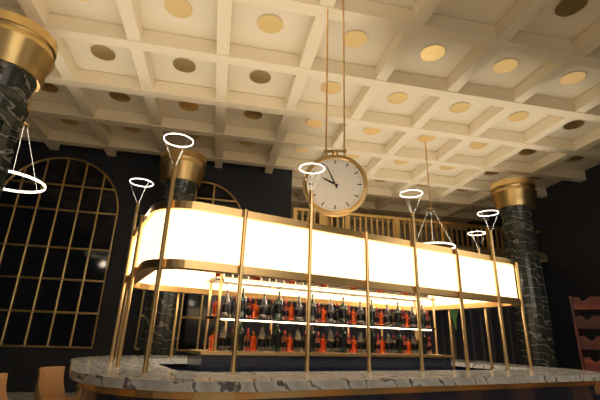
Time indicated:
9h56
